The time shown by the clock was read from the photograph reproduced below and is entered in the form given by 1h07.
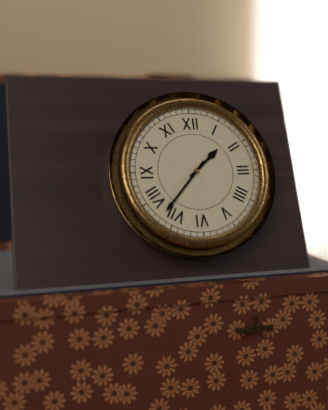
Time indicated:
1h37
